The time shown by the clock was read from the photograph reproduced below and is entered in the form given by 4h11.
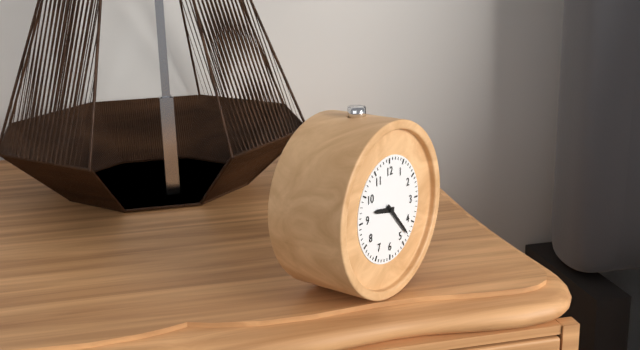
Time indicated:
9h23
